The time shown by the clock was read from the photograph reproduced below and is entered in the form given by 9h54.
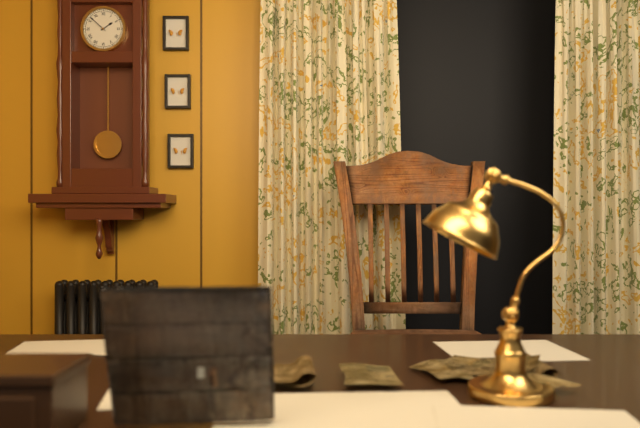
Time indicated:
1h52
